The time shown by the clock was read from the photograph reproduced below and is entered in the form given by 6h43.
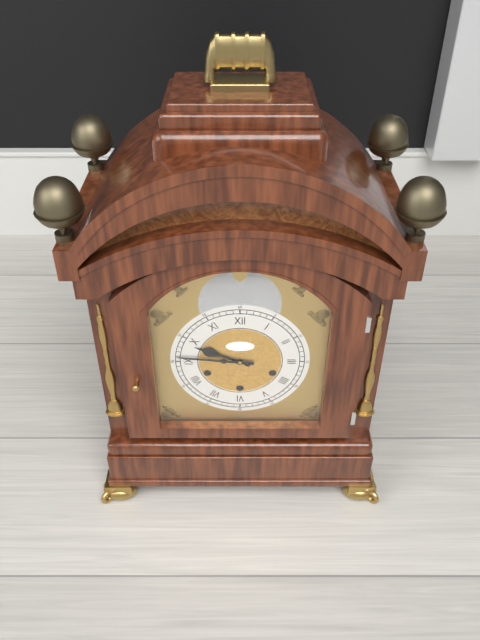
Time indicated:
9h46
